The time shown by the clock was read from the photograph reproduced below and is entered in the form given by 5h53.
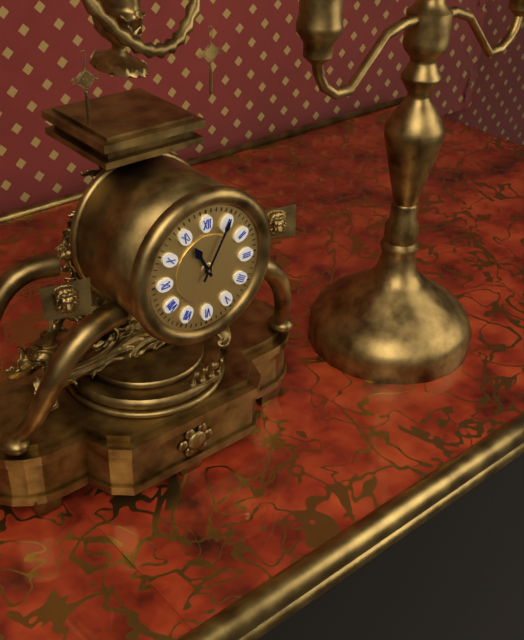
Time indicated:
11h05
